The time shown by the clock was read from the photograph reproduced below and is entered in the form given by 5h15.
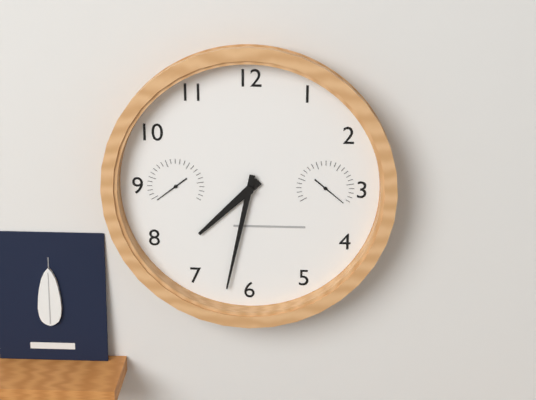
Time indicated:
7h32
